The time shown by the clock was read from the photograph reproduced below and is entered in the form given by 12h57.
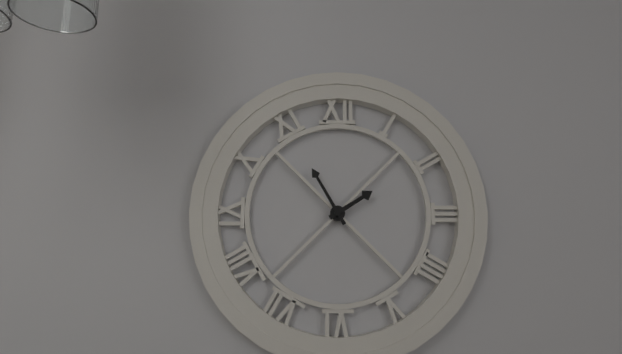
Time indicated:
1h55
